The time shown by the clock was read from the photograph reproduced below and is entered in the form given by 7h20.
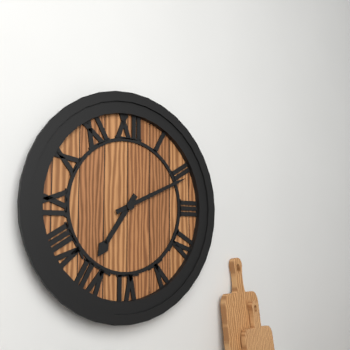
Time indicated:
7h11
